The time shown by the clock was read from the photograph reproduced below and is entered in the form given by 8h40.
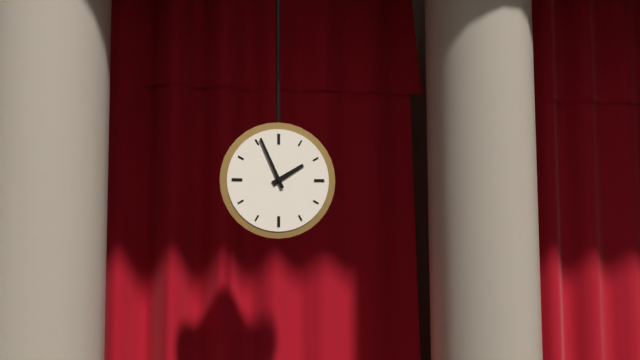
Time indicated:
1h56
